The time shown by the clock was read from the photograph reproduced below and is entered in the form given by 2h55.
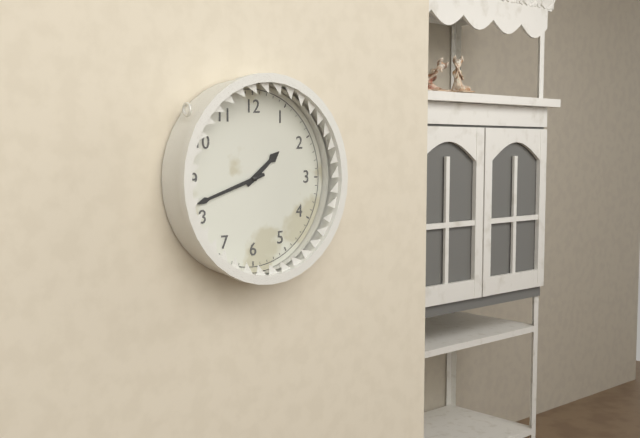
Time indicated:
1h42
